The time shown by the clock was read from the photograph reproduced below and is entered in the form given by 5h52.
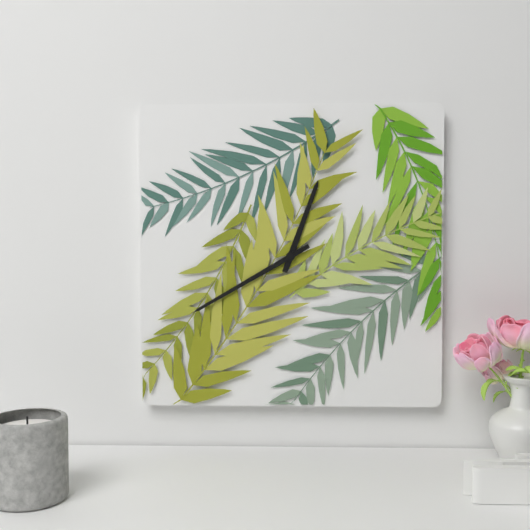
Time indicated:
12h40
